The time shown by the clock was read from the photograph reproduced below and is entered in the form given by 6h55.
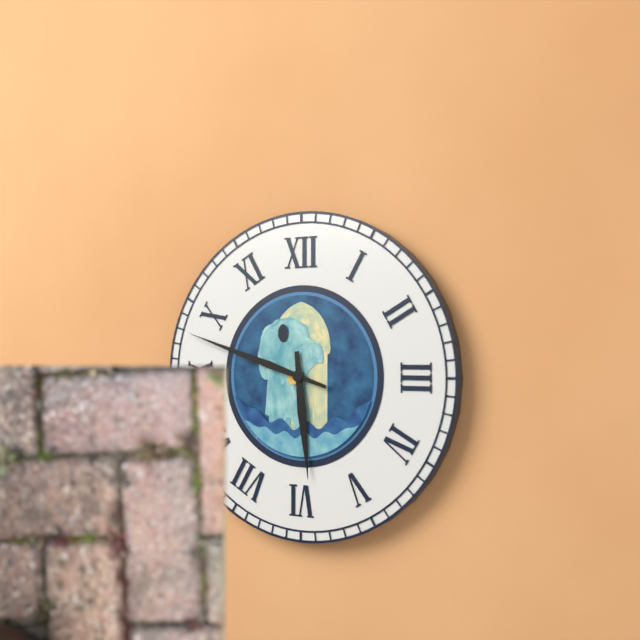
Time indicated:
5h48
